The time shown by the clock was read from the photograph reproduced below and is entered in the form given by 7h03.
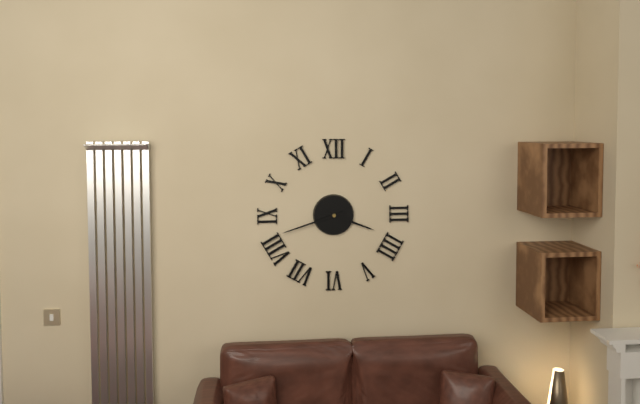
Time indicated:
3h42
